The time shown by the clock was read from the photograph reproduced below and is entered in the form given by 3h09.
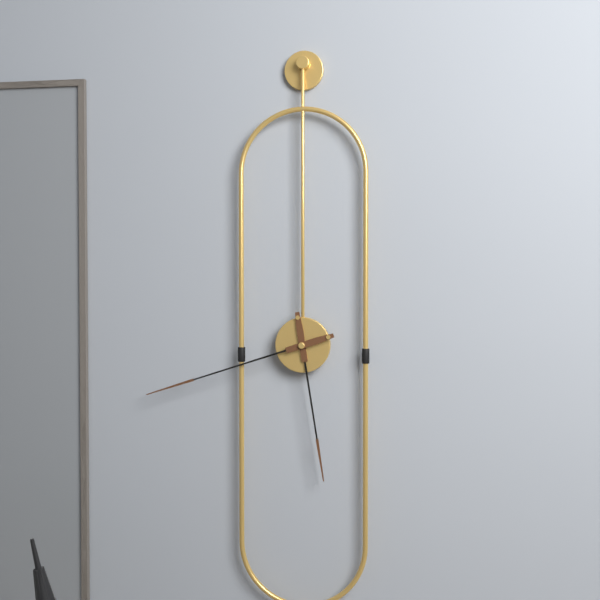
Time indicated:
5h42
